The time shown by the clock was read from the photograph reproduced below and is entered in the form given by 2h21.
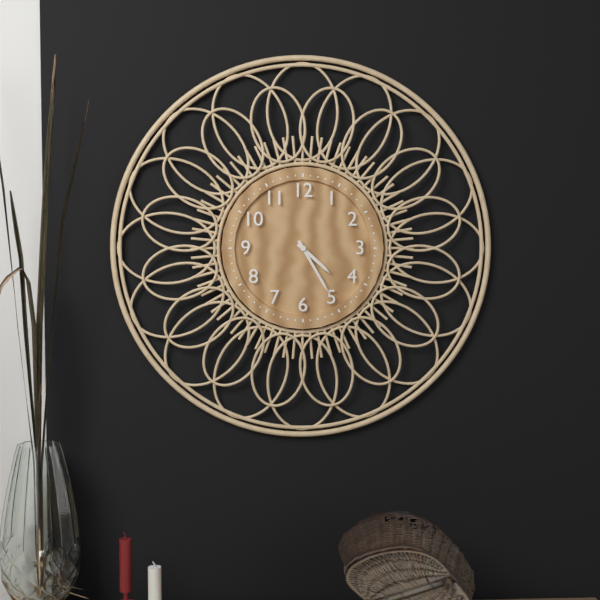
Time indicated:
4h25
